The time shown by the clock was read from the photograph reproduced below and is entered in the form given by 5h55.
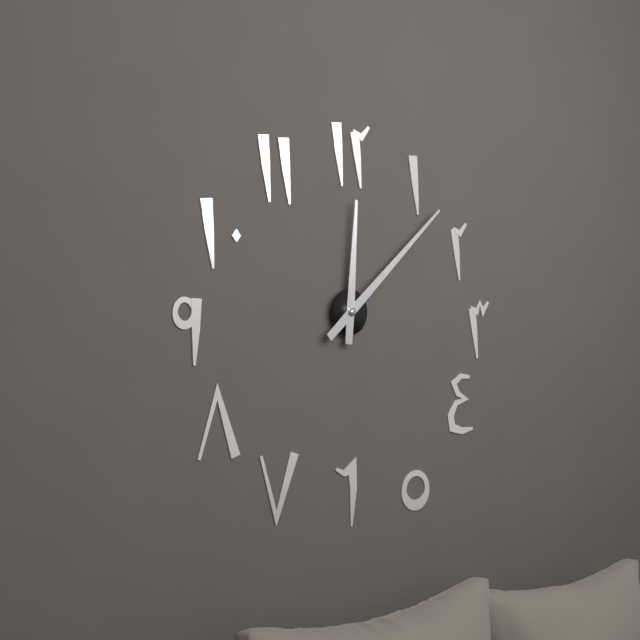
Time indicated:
12h08
